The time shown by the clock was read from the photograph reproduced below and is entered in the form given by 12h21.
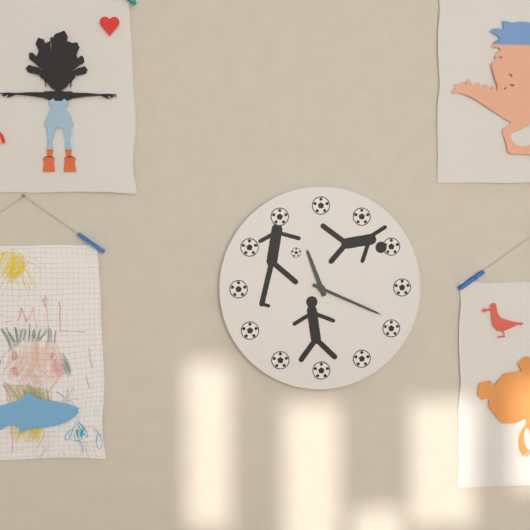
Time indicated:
11h19
